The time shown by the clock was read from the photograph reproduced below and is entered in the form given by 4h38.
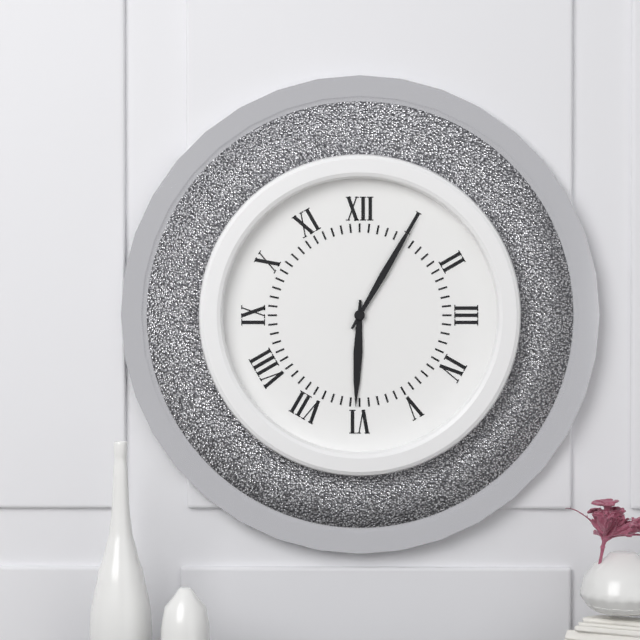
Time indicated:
6h05
